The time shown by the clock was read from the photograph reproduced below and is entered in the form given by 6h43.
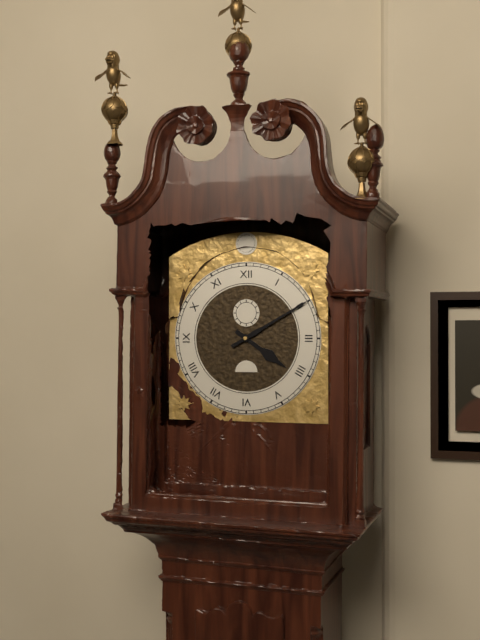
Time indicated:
4h10
